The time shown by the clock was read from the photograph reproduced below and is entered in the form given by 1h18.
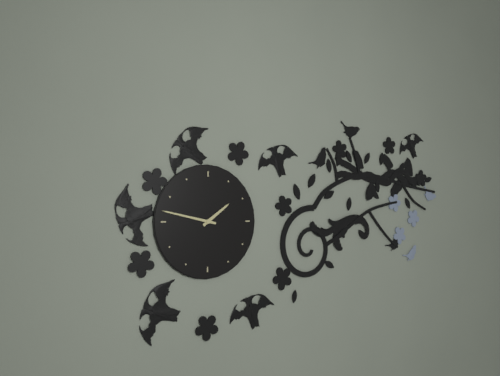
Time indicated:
1h47
